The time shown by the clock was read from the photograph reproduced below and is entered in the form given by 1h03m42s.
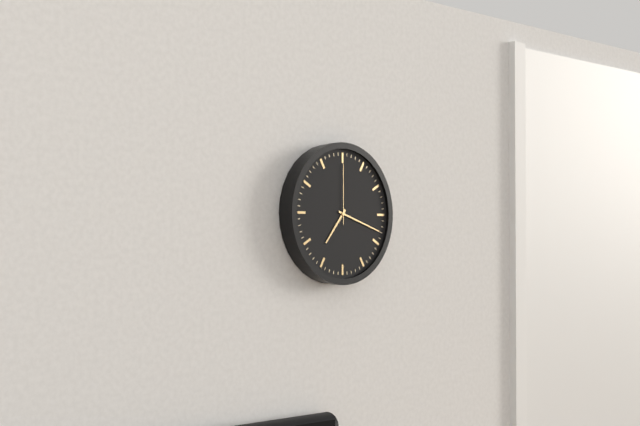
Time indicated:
7h18m00s
